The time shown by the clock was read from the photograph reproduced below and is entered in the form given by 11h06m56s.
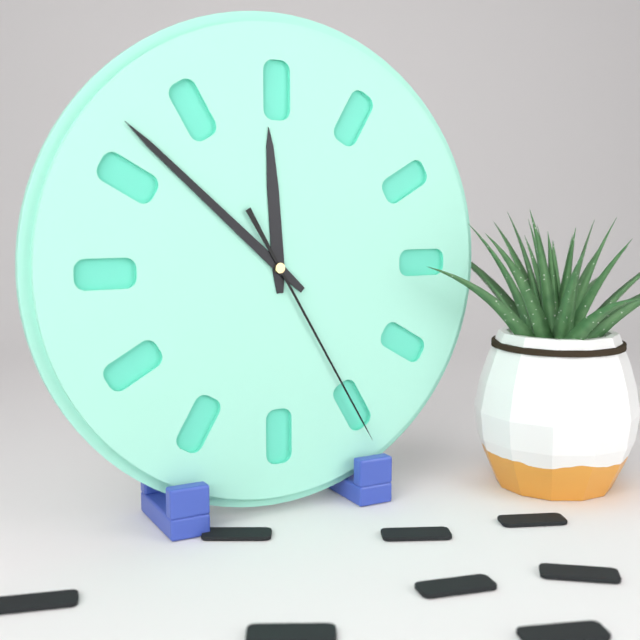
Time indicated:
11h52m25s
